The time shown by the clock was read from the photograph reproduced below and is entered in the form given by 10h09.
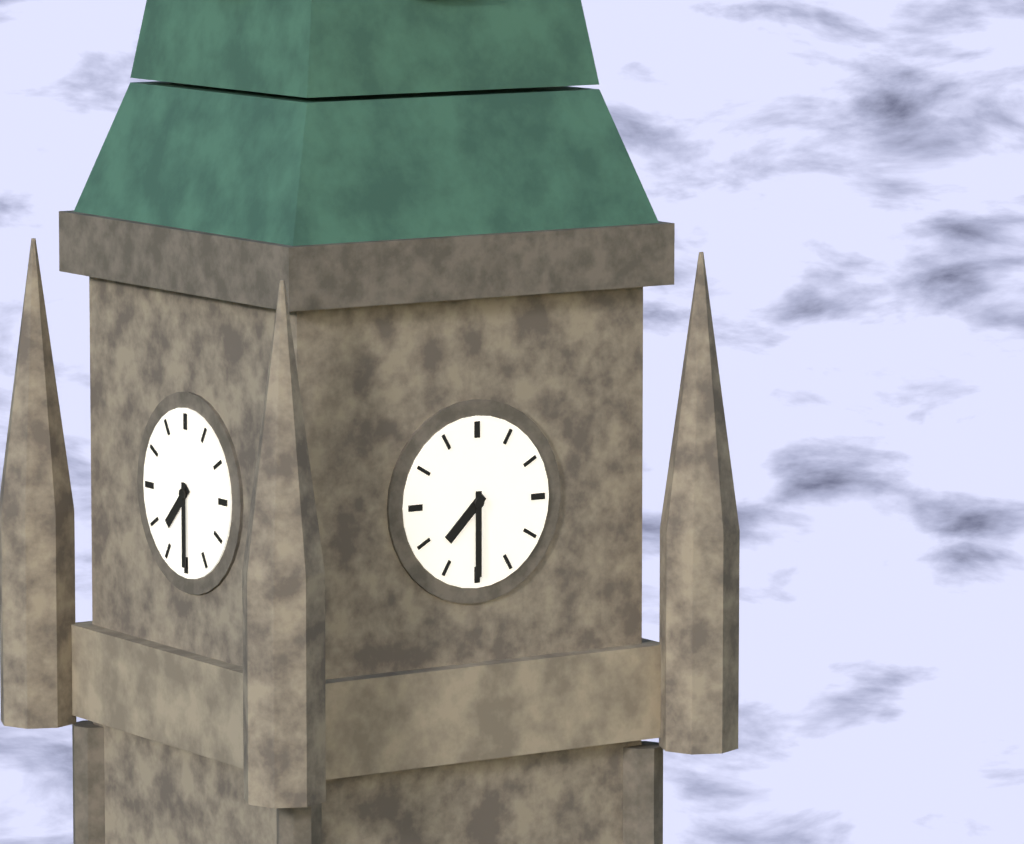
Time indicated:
7h30
